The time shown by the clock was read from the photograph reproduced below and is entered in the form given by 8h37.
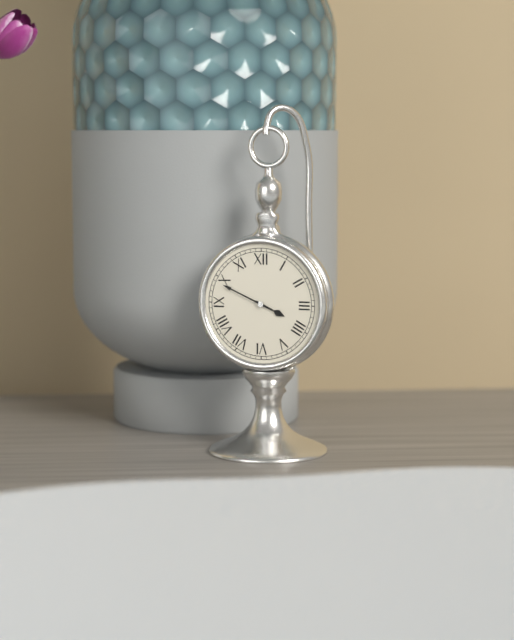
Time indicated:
3h49
